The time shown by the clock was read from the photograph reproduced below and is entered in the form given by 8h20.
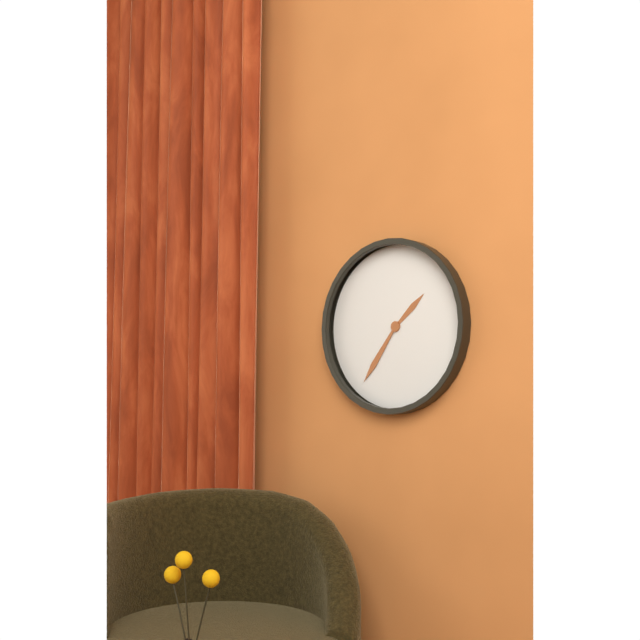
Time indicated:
1h36
